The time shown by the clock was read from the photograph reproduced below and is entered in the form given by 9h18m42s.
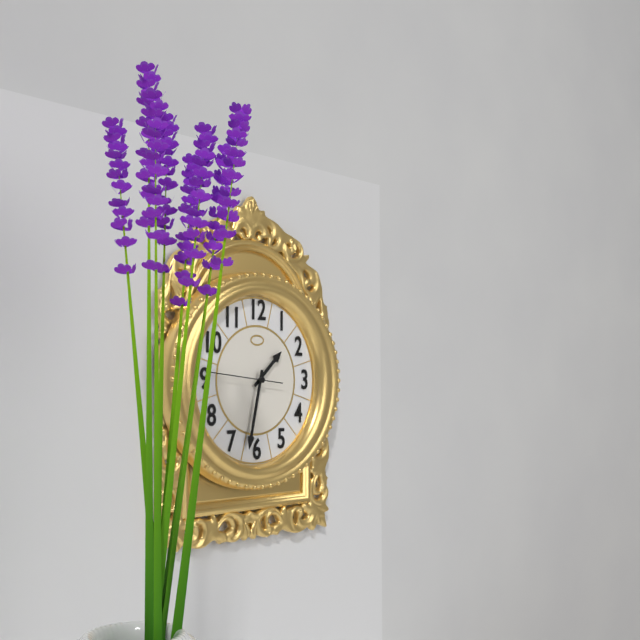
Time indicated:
1h32m46s
